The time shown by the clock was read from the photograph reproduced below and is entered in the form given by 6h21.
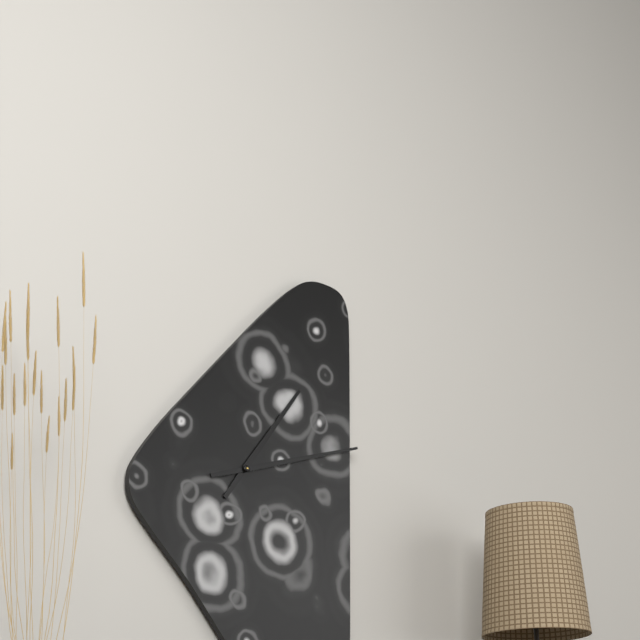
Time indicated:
1h12
